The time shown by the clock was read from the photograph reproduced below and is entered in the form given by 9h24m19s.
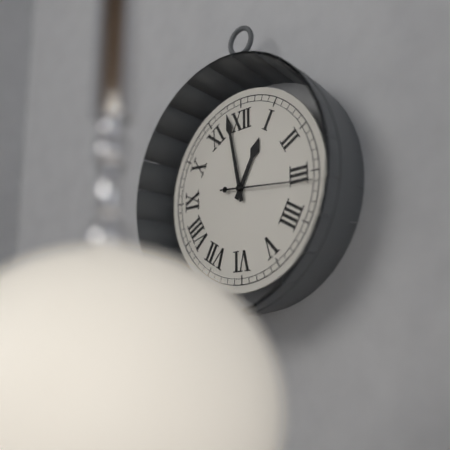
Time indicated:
12h58m16s
